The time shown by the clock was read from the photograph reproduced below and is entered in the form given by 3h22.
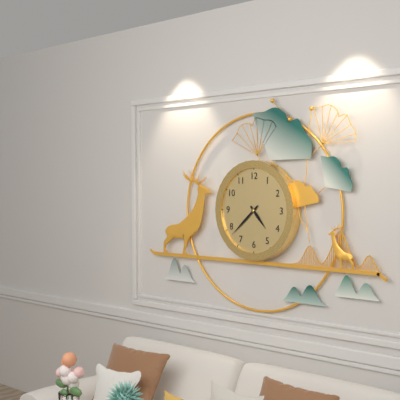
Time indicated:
4h38
